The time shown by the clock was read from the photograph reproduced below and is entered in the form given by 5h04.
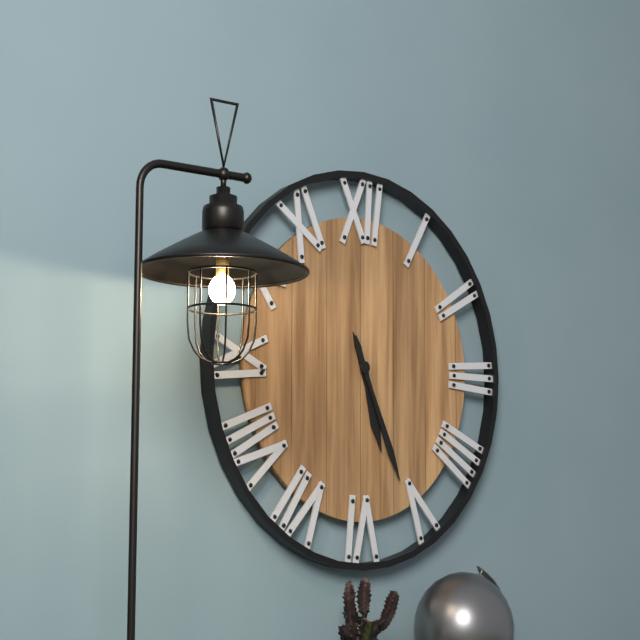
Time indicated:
5h26
